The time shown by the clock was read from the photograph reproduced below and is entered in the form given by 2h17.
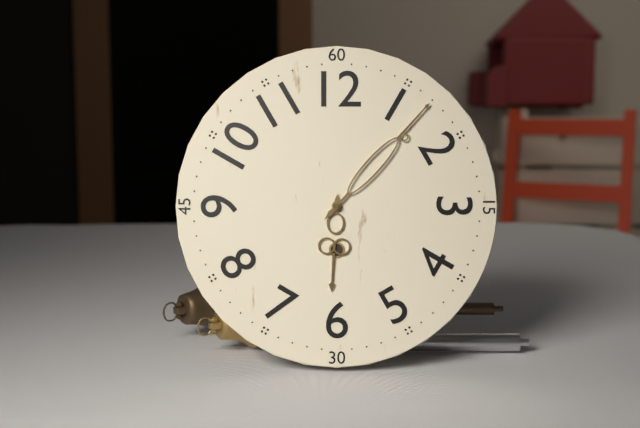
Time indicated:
6h07
